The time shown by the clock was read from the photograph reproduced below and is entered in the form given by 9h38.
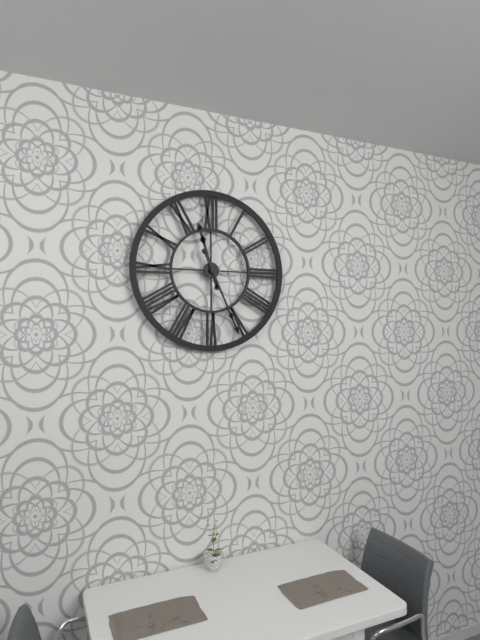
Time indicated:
11h26
